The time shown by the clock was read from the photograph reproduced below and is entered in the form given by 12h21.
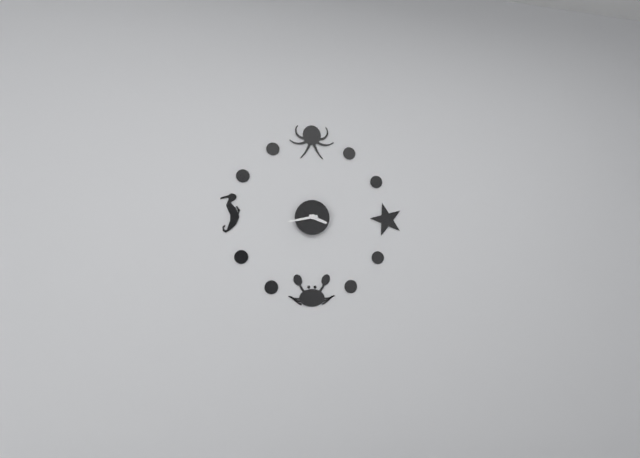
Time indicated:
3h43
